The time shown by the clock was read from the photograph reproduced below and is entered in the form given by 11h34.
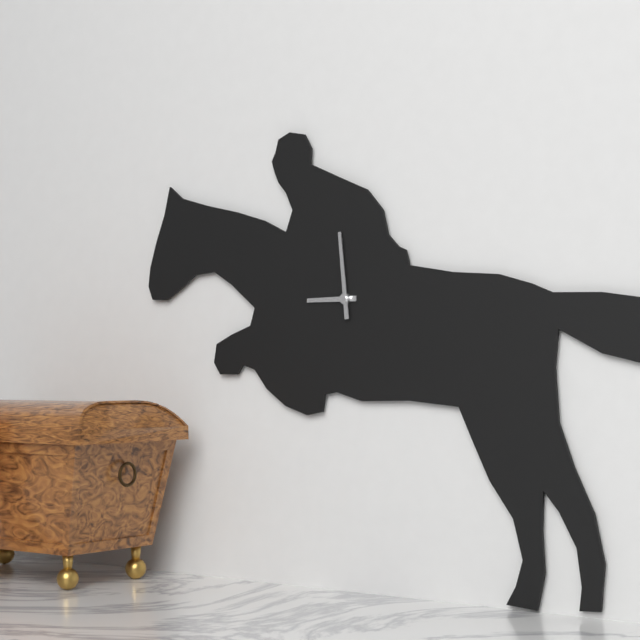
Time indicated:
8h59
